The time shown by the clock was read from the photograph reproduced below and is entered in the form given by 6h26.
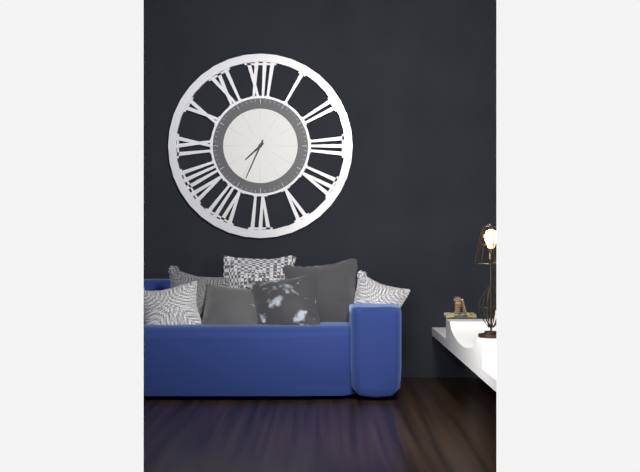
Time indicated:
7h34
